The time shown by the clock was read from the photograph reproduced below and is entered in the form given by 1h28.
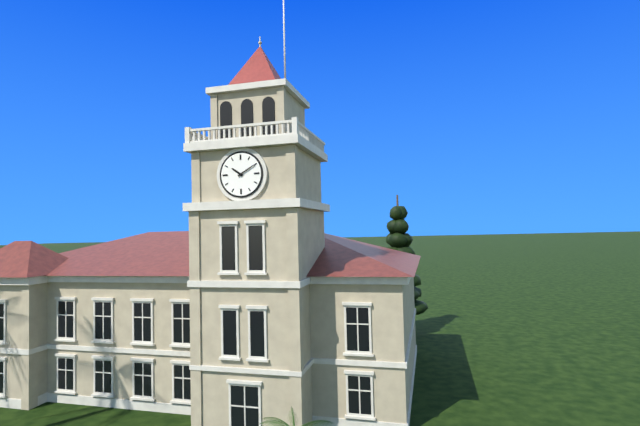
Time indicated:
10h10
